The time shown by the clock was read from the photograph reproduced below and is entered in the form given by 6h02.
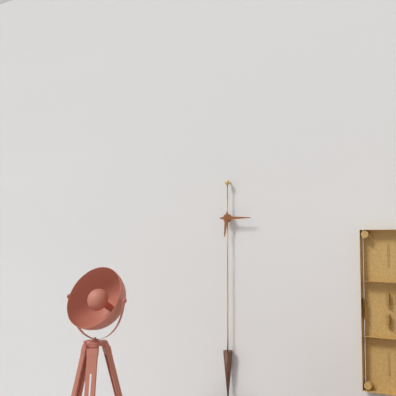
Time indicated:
6h15
